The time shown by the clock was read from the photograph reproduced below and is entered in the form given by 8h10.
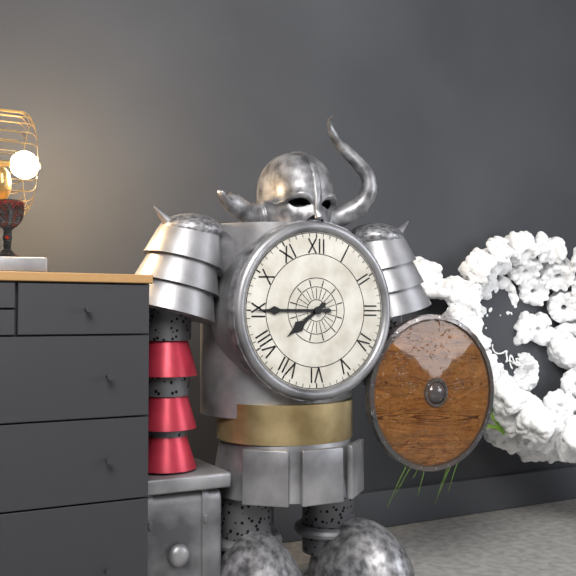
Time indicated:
7h45
